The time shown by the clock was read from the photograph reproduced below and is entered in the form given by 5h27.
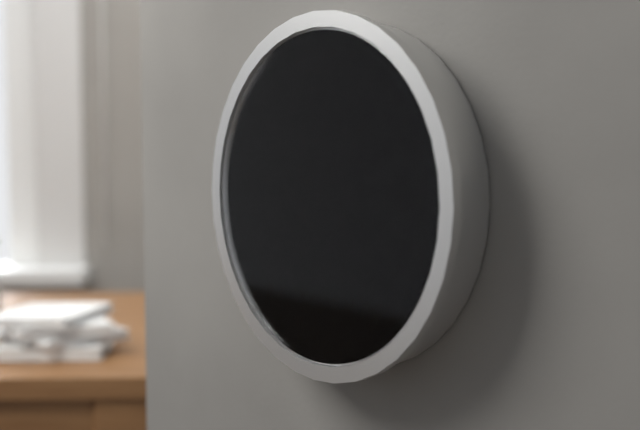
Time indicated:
7h34
